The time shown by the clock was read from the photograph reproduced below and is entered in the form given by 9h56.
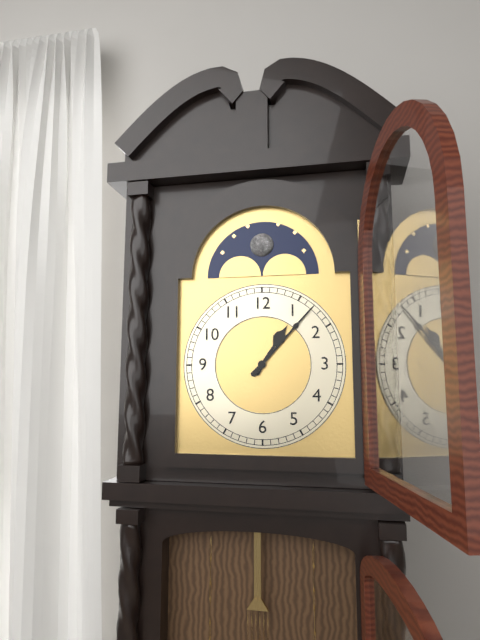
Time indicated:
1h07
